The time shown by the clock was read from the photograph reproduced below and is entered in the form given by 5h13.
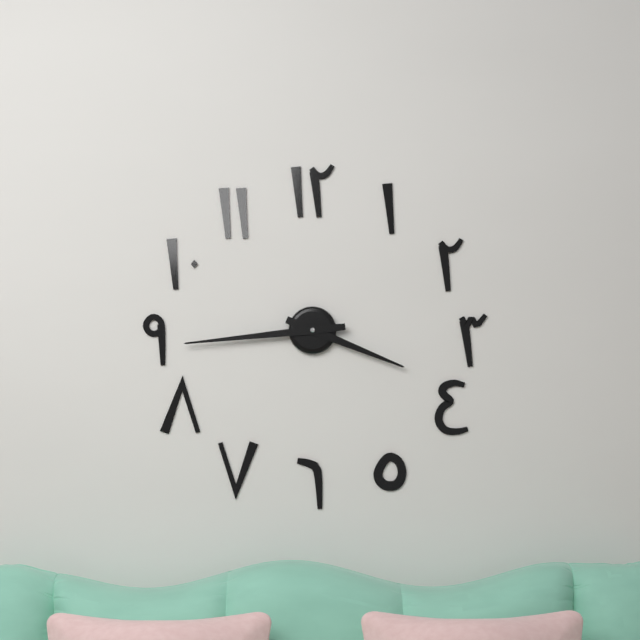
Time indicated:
3h44
